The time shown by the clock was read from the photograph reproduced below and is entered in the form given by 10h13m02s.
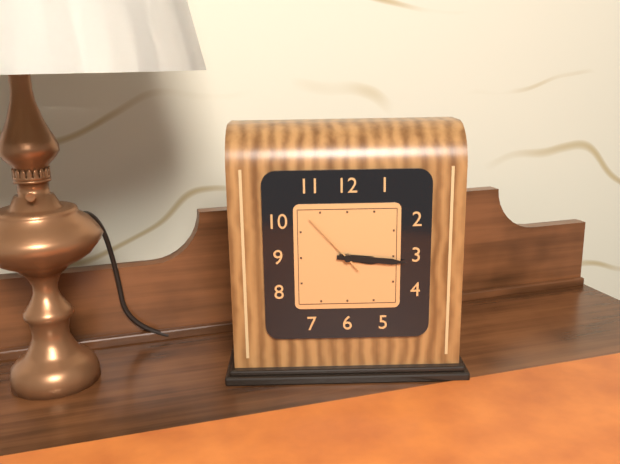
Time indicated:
3h16m53s
